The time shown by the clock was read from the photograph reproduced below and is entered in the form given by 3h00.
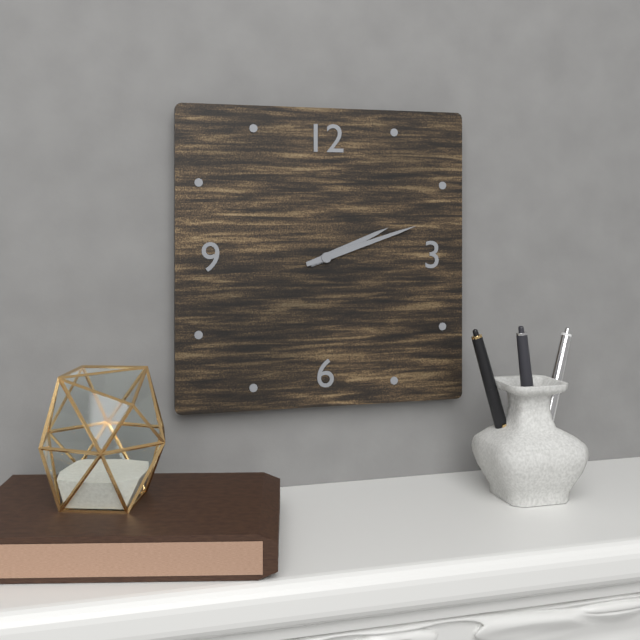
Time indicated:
2h12
